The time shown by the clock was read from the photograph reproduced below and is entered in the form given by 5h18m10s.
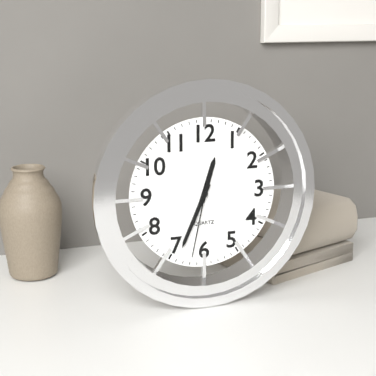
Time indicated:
12h34m32s
